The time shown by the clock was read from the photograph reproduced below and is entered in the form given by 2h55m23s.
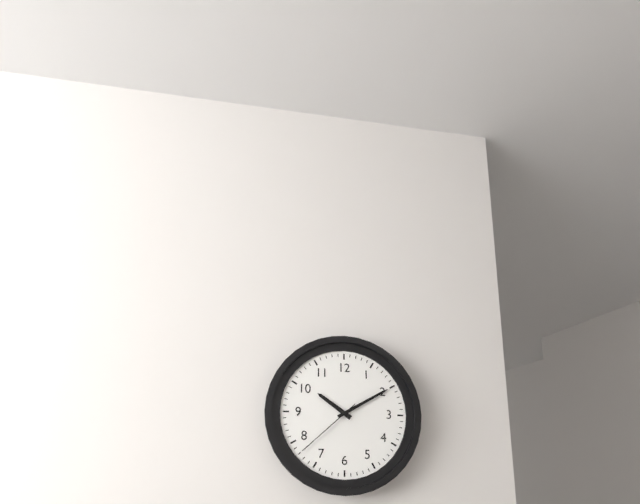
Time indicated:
10h10m38s
